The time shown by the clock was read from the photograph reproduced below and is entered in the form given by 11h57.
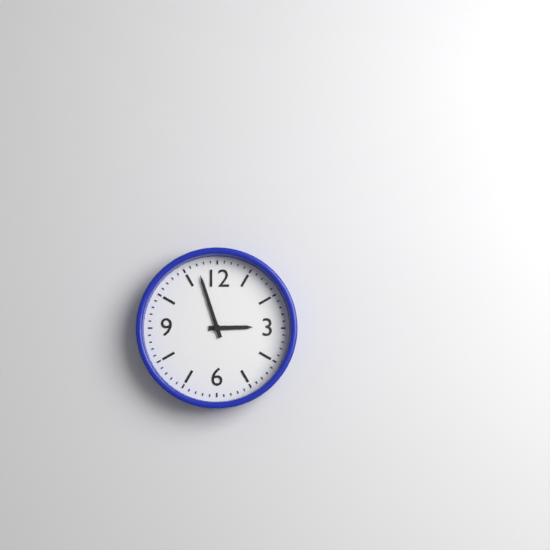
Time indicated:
2h57
